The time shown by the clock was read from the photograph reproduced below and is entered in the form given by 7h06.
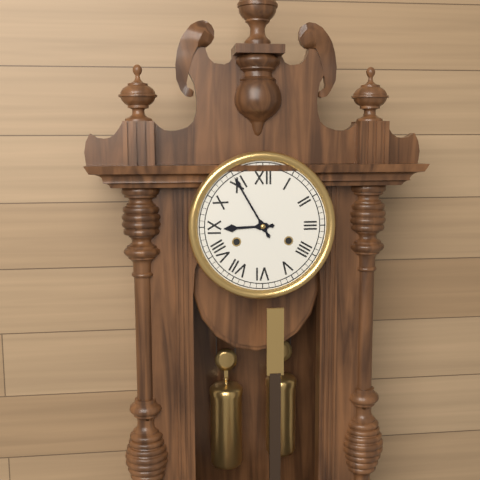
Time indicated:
8h55
